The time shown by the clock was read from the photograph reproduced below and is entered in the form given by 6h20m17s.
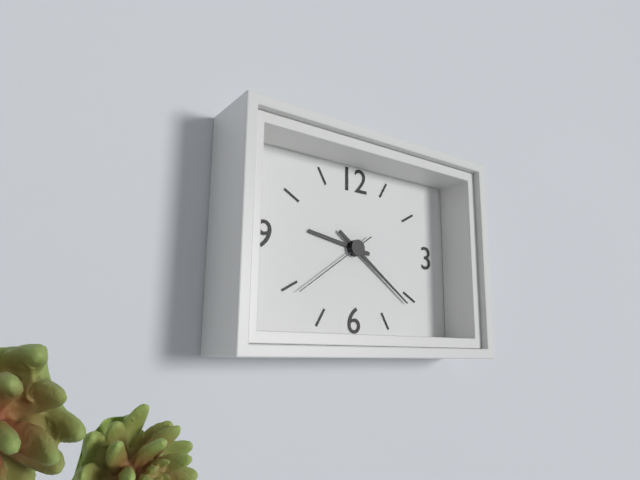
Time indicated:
9h21m39s
